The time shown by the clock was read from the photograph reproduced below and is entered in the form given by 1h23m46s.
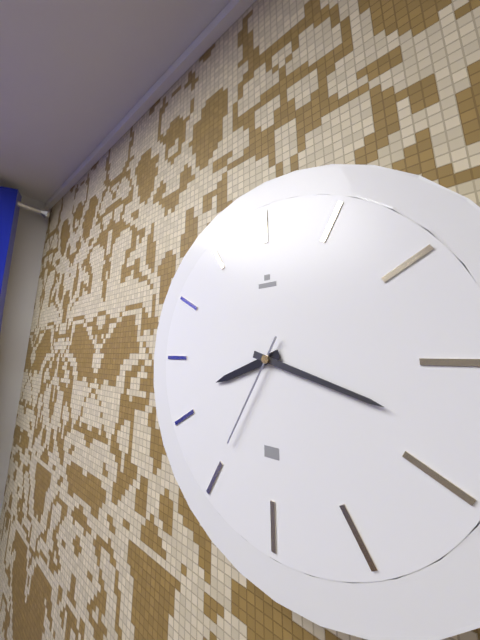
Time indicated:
8h18m35s
